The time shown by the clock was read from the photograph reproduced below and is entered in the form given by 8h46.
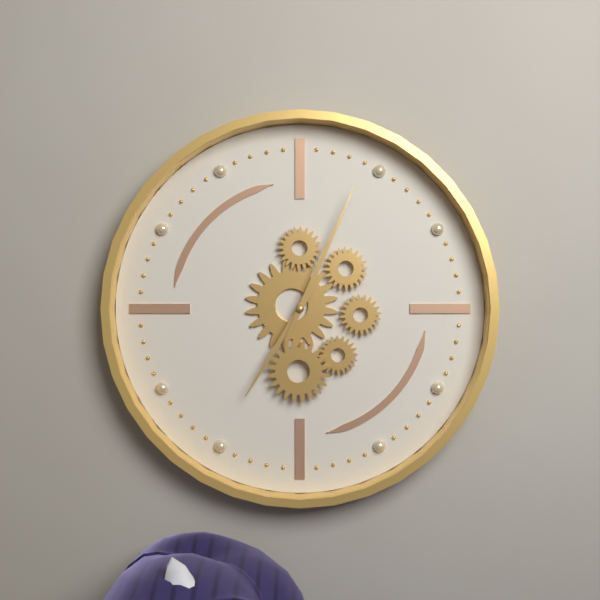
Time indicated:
7h04
